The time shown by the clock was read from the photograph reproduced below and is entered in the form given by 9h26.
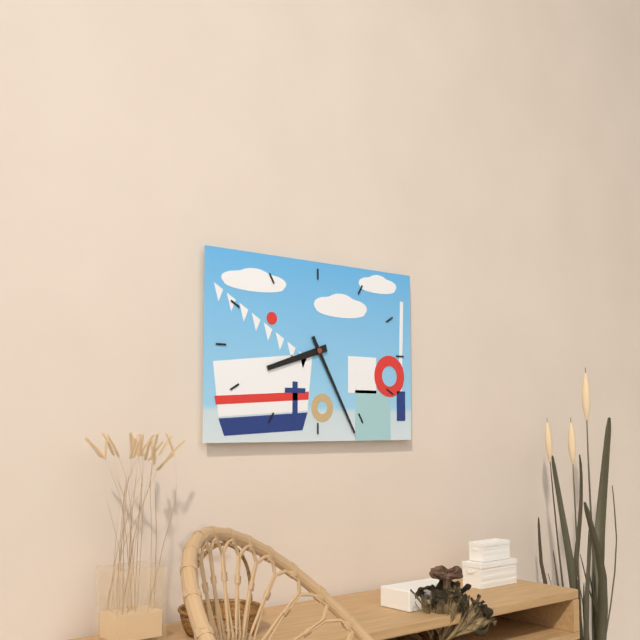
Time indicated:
8h25
